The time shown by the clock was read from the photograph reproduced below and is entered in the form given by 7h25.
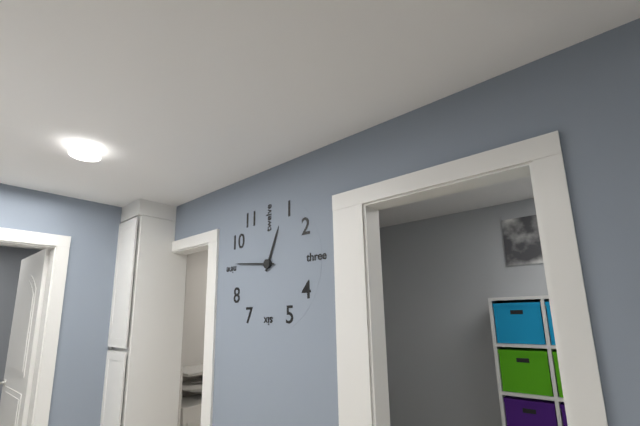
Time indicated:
12h46
